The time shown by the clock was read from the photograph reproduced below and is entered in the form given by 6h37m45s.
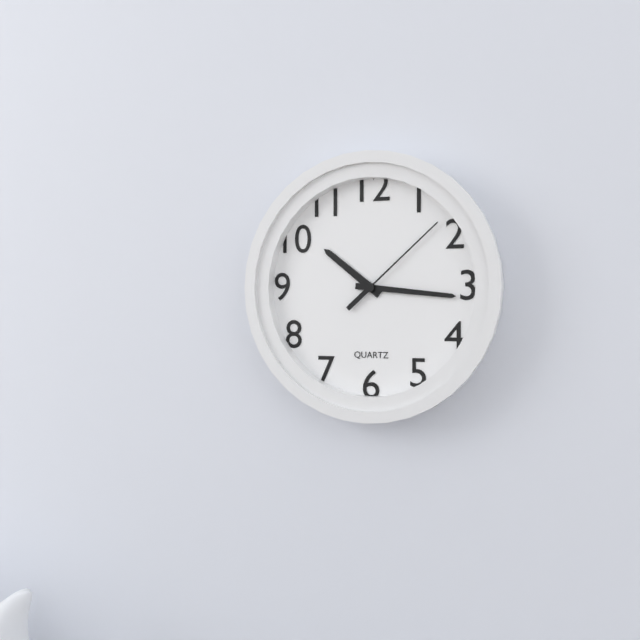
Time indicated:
10h16m08s
